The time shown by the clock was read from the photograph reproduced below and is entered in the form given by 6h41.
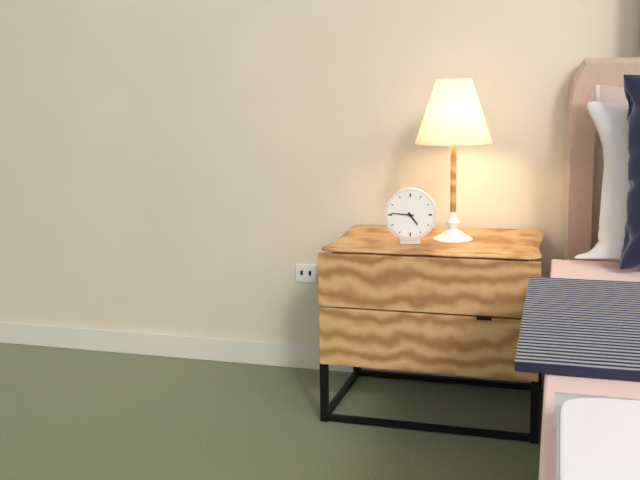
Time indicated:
4h46
